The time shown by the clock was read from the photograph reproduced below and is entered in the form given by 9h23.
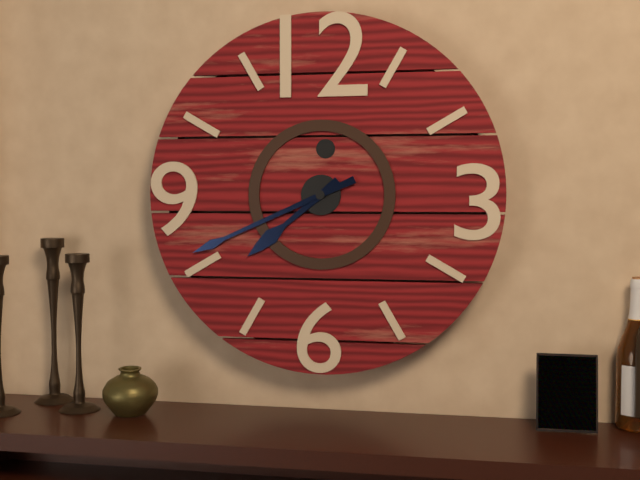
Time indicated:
7h41
